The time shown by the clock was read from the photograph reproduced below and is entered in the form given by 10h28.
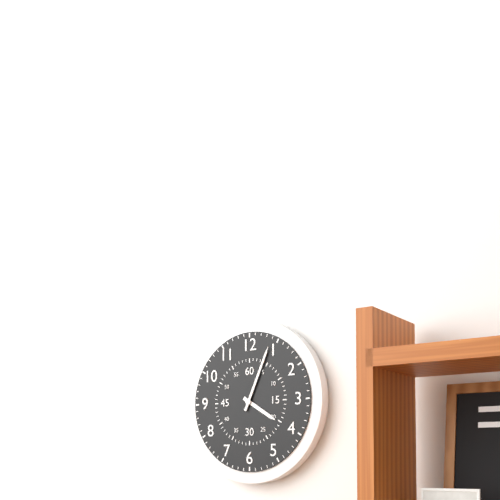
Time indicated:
4h04
